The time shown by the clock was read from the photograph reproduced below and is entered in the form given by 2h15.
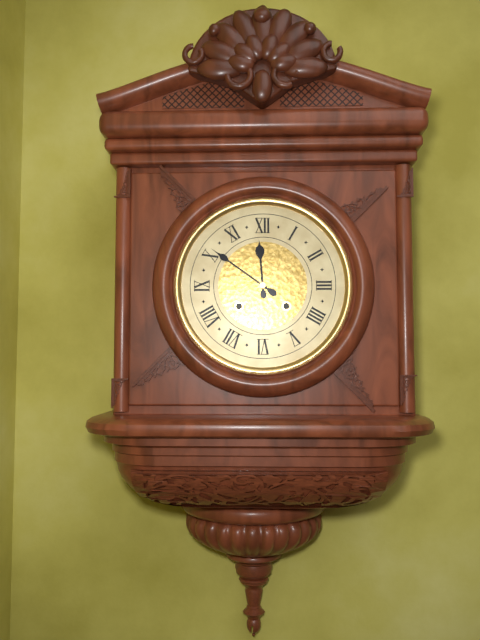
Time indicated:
11h51
